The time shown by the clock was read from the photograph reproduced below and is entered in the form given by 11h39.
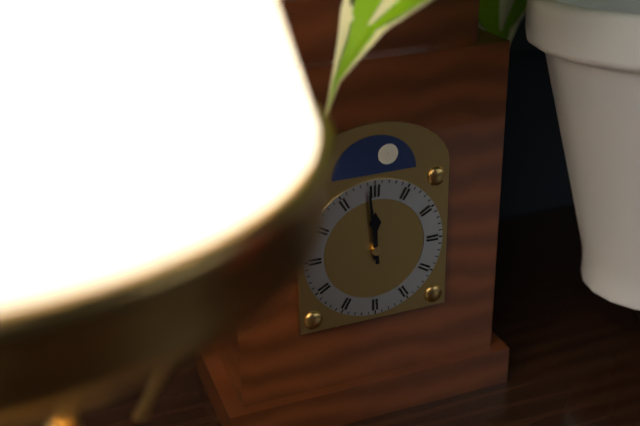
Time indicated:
11h59
